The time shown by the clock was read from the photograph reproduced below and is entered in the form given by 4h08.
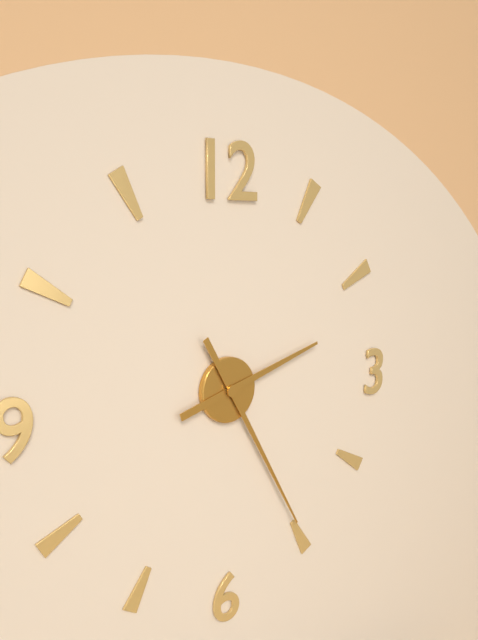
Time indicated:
2h25
